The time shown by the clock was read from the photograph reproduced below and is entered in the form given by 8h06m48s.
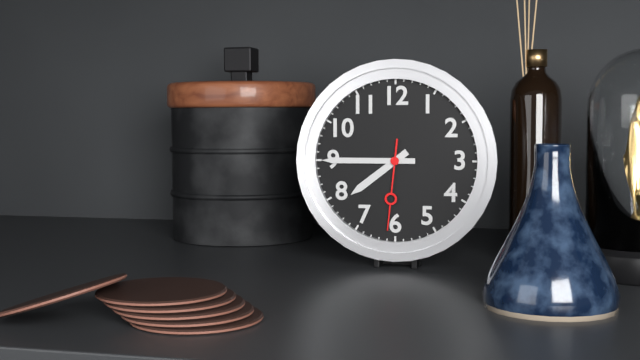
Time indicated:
7h45m31s
